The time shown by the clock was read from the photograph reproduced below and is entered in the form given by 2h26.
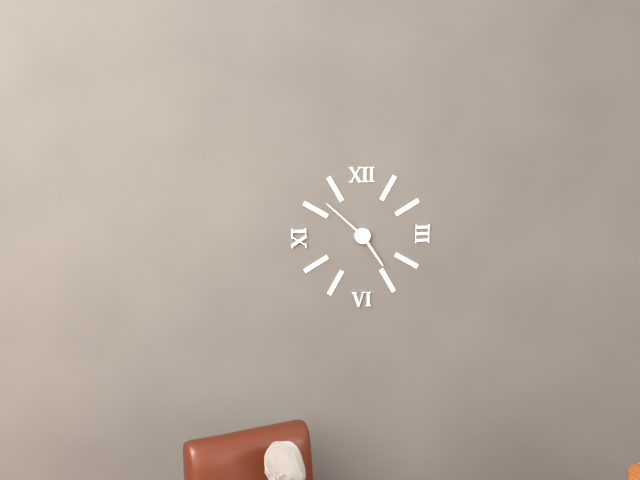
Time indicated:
4h52
